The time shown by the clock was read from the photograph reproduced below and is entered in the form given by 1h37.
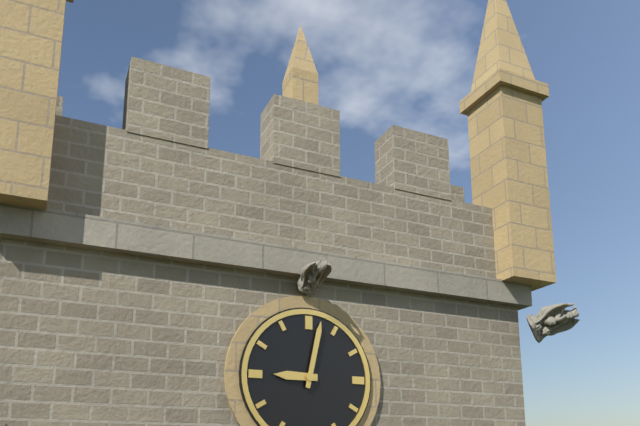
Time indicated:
9h02
